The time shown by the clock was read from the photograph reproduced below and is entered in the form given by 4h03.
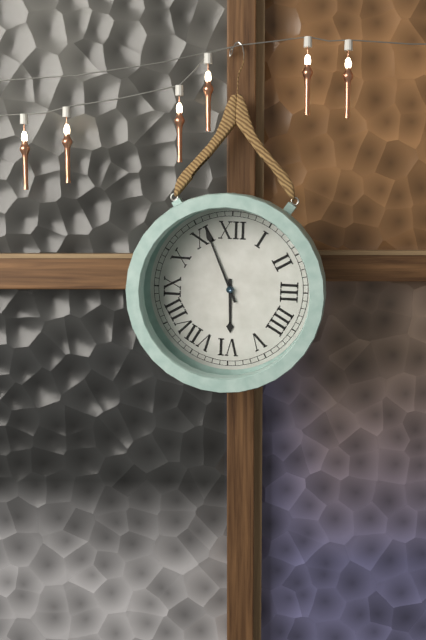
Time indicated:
5h56
